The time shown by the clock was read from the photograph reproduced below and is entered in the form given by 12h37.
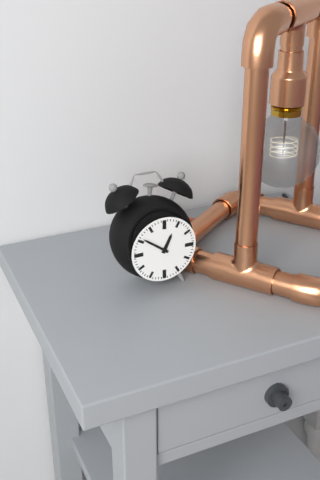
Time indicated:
12h51
